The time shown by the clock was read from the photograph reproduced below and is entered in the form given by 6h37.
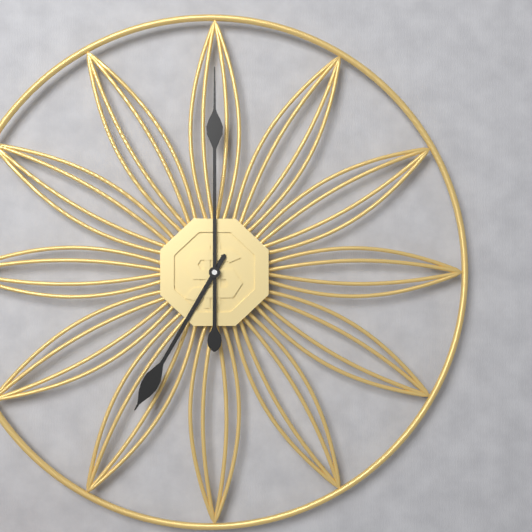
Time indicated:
7h00
